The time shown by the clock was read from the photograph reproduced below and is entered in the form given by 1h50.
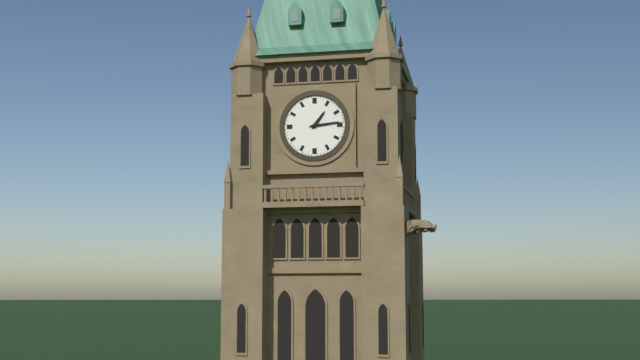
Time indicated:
1h14
